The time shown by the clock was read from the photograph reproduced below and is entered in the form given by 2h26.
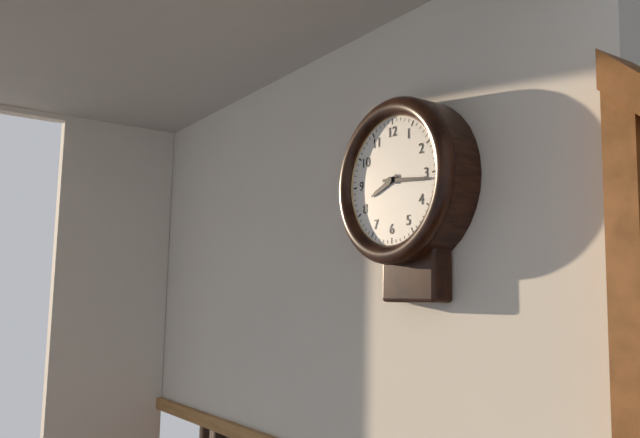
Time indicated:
8h16
